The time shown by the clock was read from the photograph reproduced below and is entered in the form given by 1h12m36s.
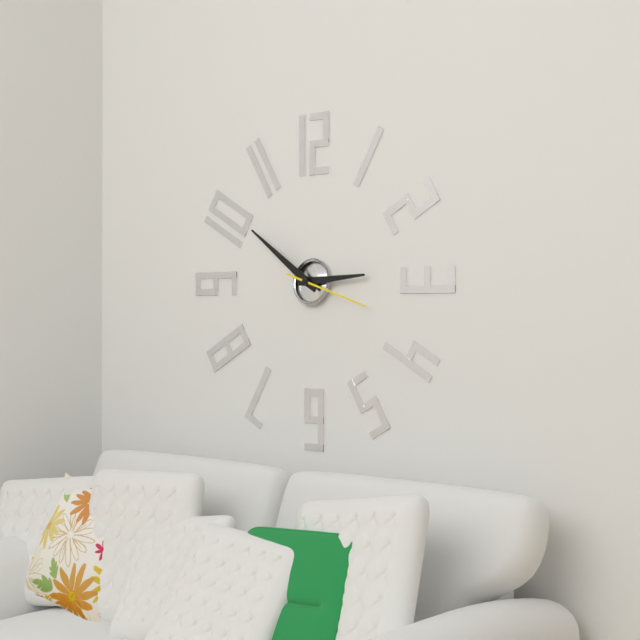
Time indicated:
2h51m18s
